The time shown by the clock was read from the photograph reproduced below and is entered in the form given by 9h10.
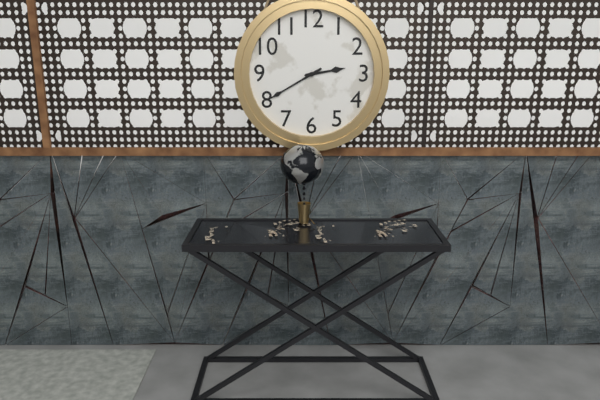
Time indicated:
2h40
